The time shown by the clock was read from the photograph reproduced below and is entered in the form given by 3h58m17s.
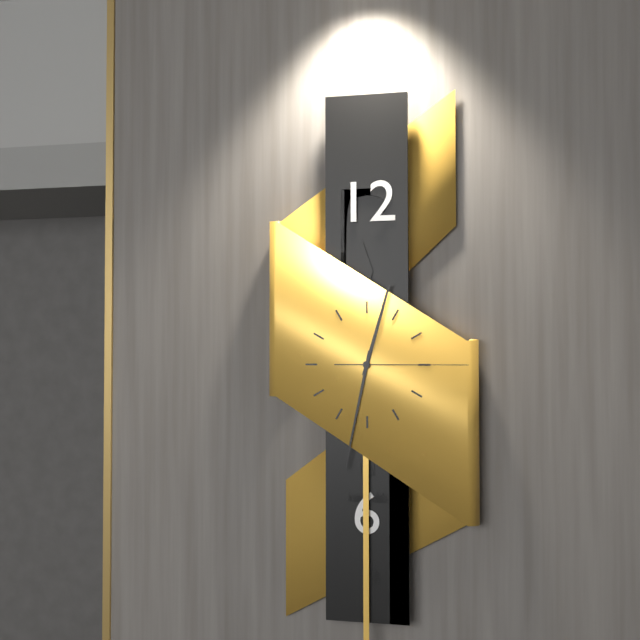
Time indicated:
12h32m15s
